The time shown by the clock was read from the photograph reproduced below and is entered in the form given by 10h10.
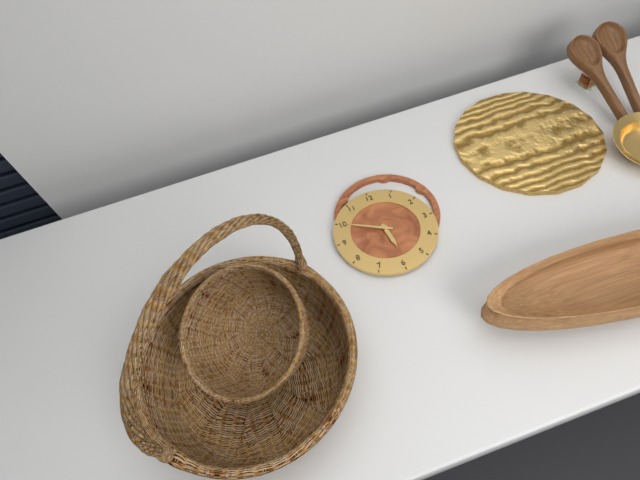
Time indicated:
5h50
